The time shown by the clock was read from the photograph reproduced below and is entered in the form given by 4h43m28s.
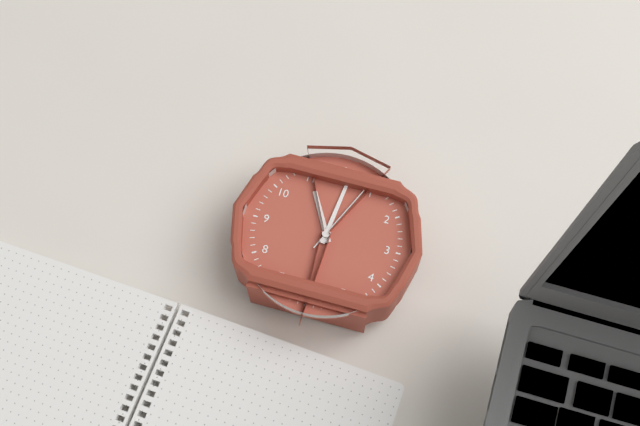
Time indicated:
11h01m04s
